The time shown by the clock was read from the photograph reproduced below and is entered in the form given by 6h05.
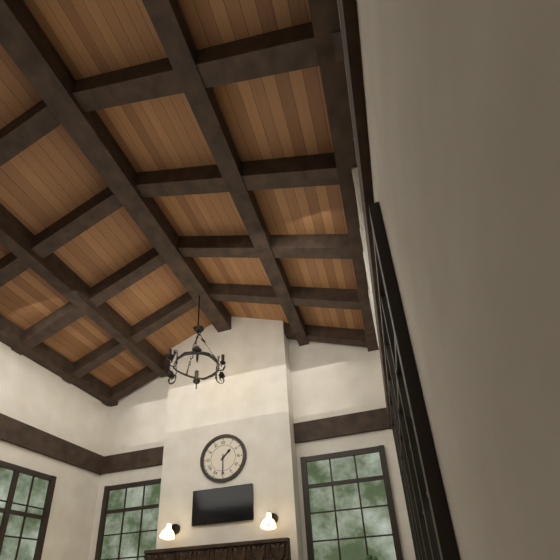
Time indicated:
1h30
